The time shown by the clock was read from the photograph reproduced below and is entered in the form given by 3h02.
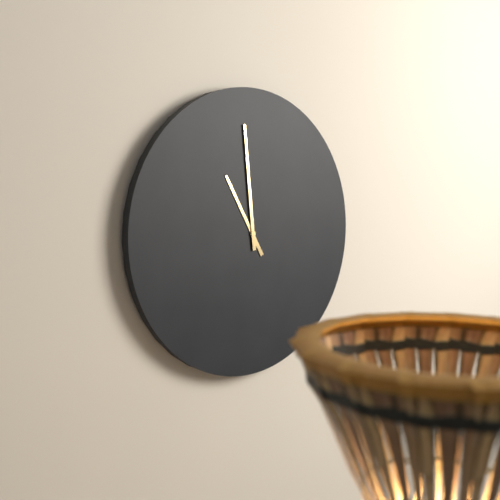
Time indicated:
10h59
